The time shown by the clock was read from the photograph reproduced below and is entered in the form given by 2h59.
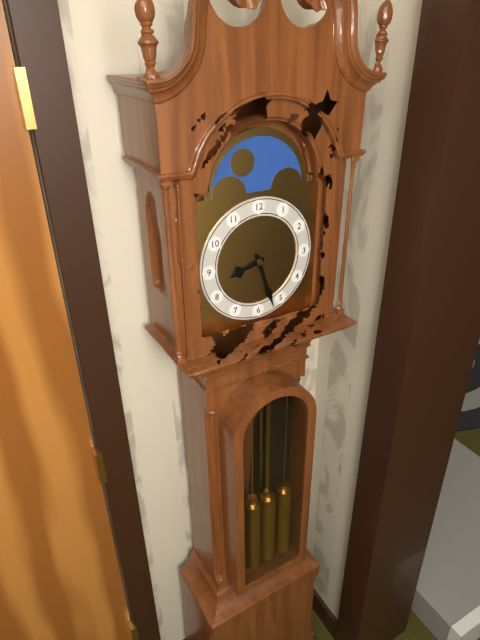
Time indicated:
8h27
